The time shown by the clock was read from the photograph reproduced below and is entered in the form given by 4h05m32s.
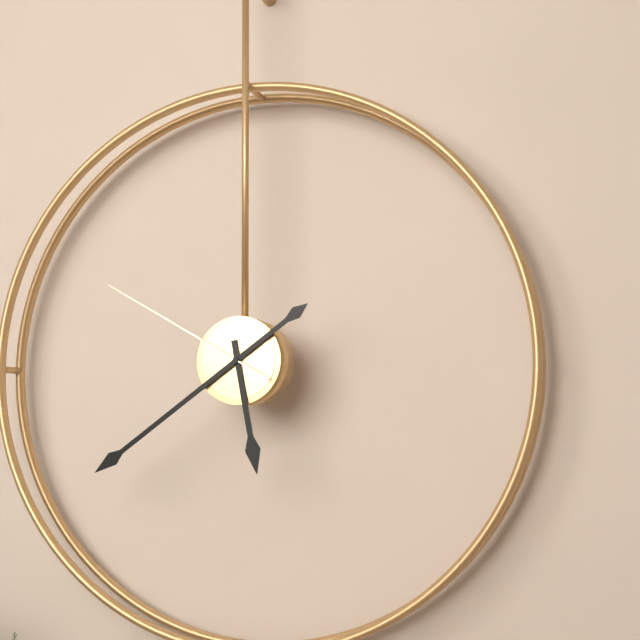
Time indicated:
5h39m50s
